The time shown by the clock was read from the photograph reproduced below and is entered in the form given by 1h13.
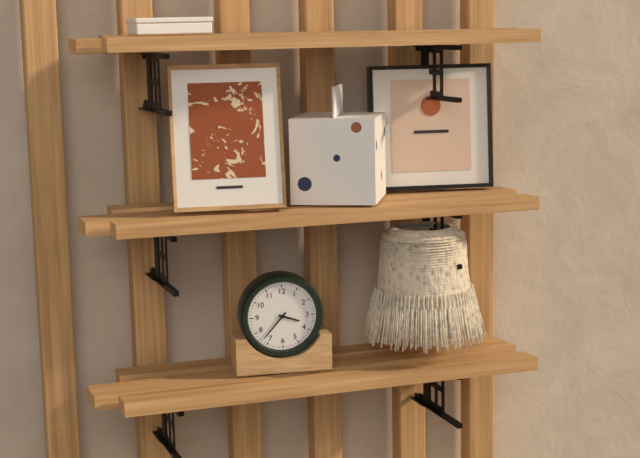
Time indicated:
3h37
